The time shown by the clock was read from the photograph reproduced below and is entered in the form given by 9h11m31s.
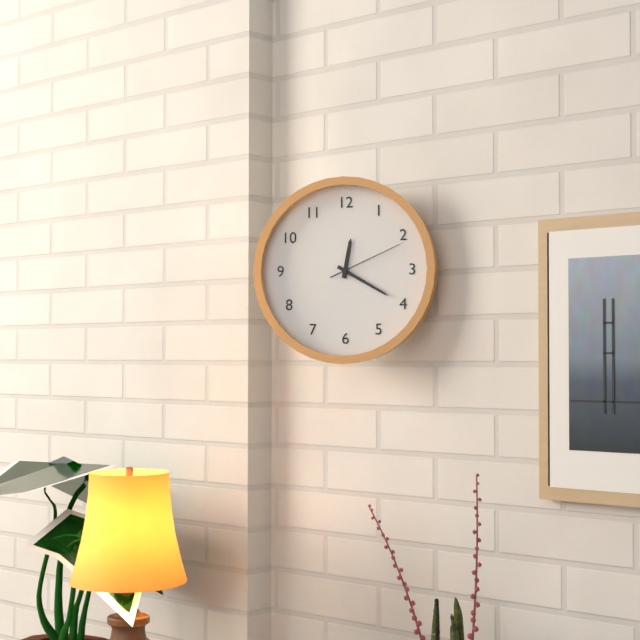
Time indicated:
12h20m11s
